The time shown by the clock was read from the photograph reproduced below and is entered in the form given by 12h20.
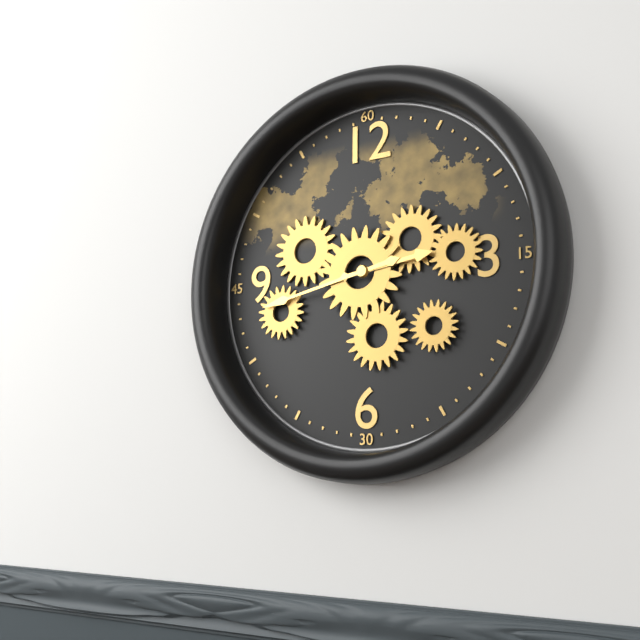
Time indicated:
2h43
